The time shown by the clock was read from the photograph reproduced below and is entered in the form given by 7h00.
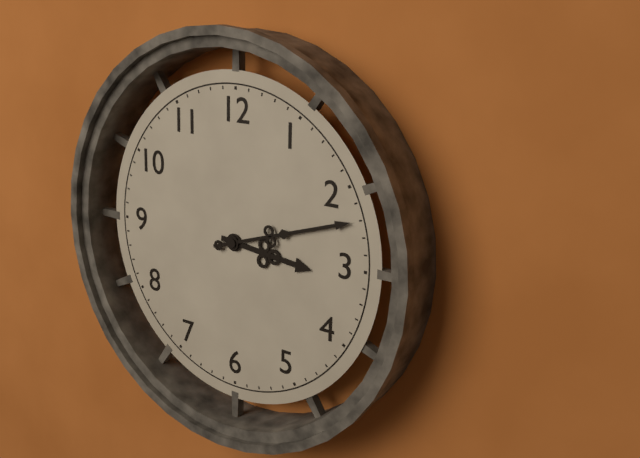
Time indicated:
3h12
